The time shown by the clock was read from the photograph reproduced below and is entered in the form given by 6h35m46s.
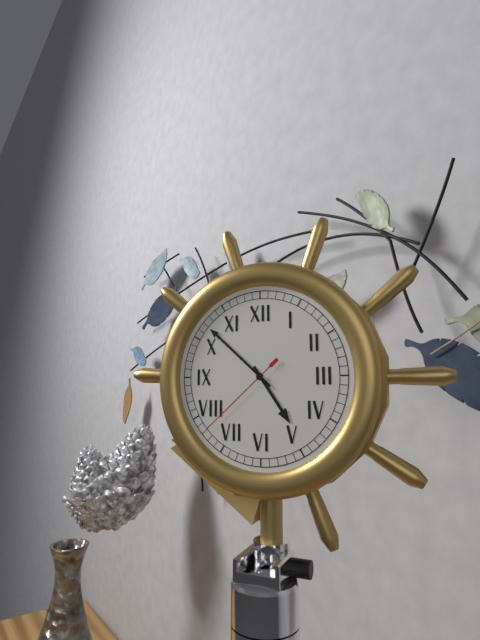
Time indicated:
4h52m38s
